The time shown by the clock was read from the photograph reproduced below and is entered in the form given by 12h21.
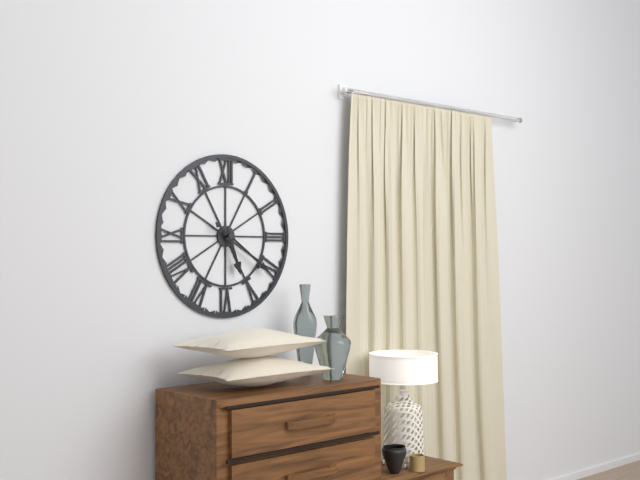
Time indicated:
5h21
